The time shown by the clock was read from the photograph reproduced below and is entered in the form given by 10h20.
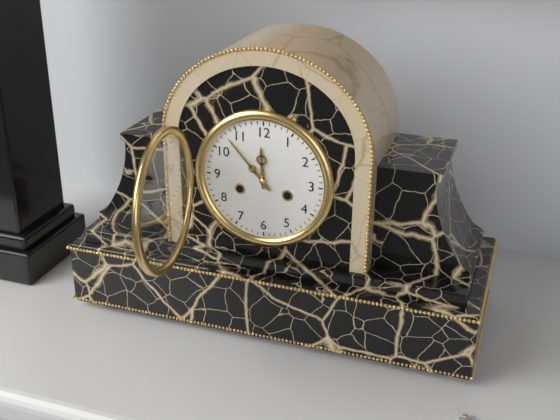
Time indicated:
11h53
